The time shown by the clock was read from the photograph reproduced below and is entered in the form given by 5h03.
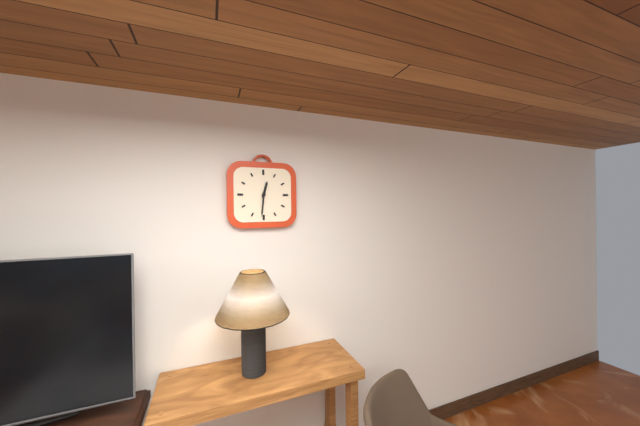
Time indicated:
12h31
